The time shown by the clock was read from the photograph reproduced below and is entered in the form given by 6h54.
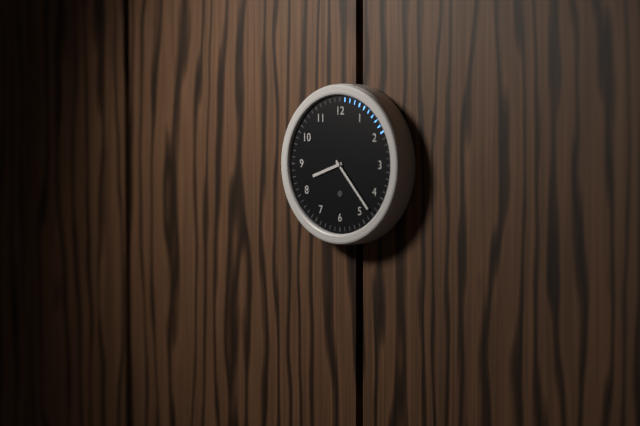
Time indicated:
8h23
